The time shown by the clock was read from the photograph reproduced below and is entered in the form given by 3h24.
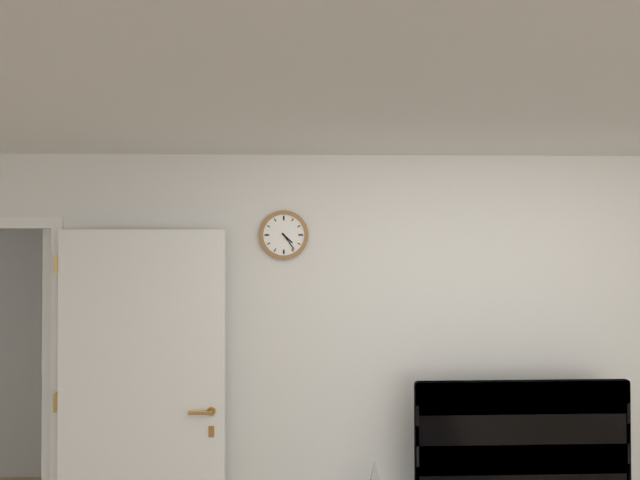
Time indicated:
4h24
